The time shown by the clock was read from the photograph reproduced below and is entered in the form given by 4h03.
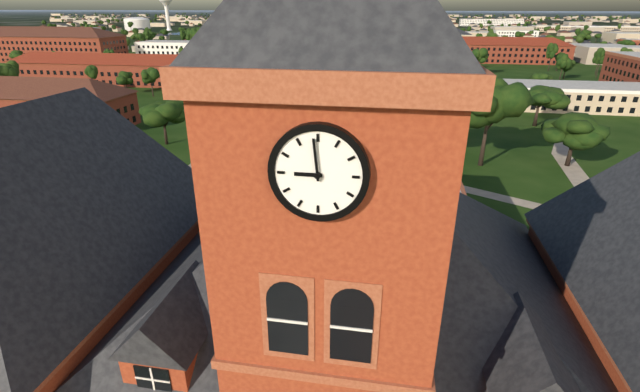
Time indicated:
8h59
